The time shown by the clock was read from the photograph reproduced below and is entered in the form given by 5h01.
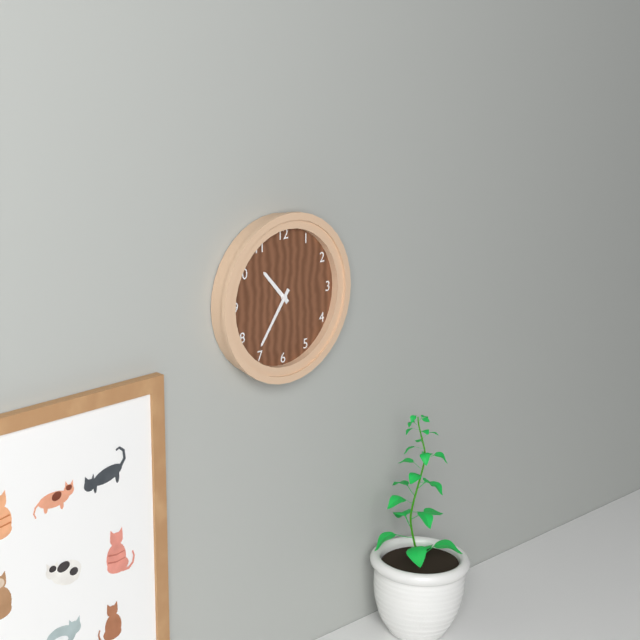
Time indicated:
10h36
